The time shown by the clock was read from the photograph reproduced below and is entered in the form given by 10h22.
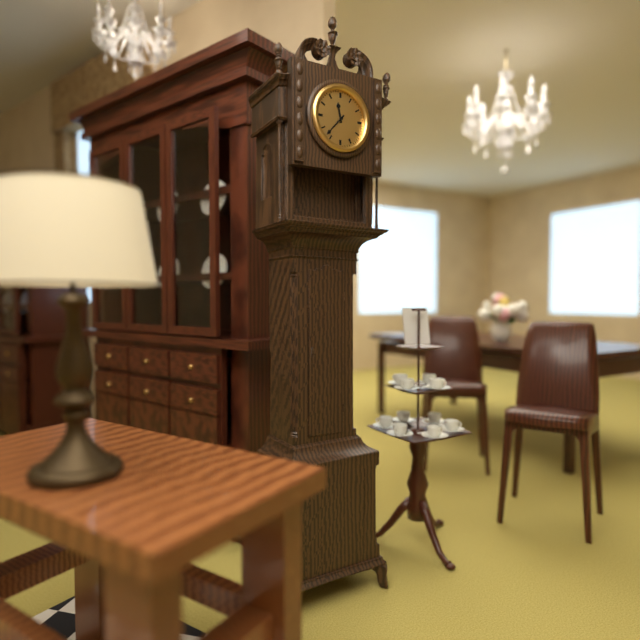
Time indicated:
11h37
